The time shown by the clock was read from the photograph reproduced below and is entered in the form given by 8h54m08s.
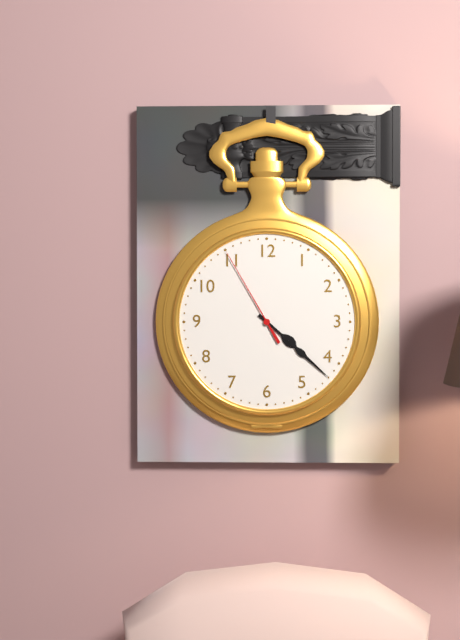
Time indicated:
4h22m55s
